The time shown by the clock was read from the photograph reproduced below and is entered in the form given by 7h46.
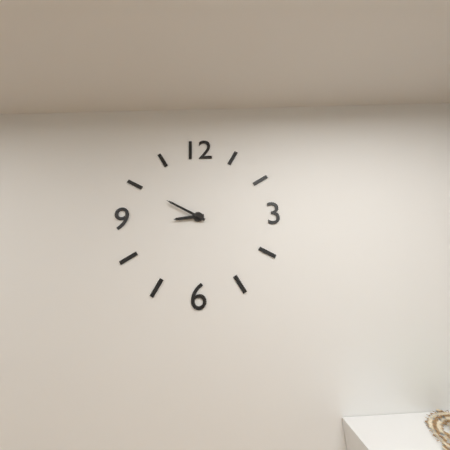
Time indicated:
8h50
